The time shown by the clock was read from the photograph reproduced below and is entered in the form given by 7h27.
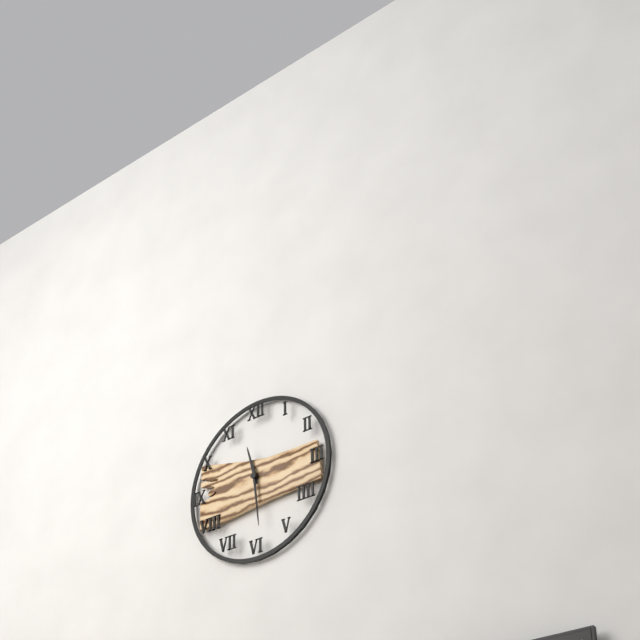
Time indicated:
11h29
